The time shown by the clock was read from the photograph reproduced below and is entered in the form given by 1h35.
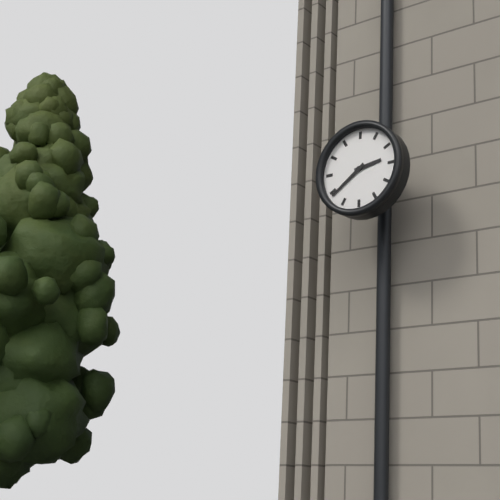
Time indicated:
2h39
